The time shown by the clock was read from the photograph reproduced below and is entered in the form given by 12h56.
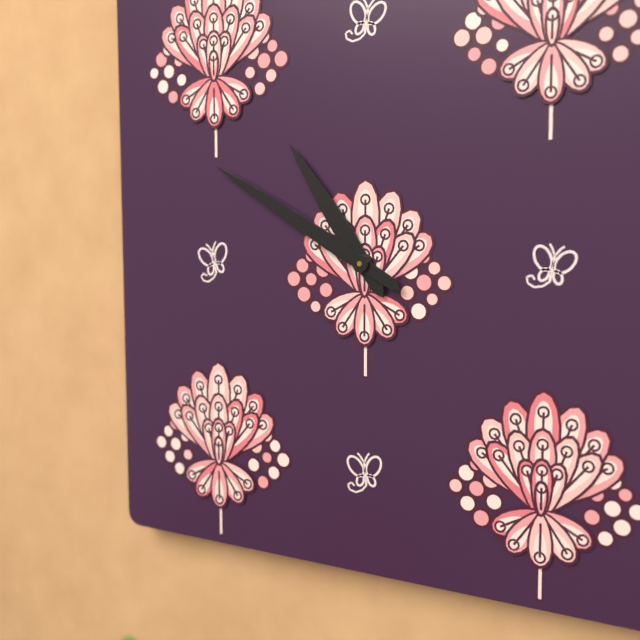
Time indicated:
10h50
